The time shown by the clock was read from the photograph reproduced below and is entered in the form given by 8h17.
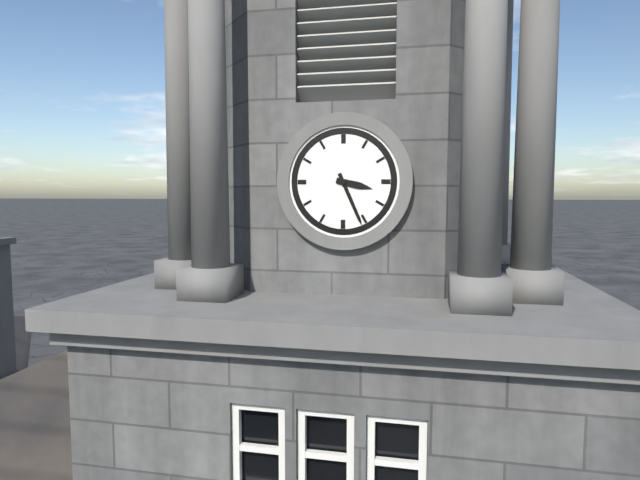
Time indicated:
3h26
